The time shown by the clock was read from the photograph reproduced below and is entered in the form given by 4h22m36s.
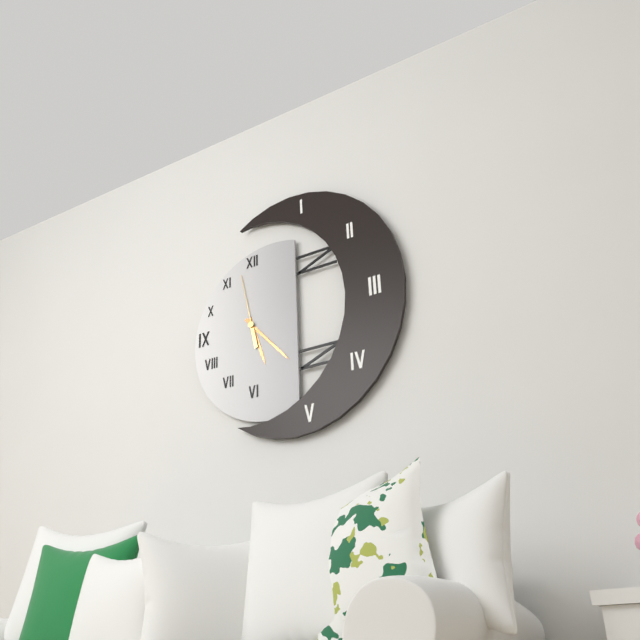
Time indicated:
5h23m58s
